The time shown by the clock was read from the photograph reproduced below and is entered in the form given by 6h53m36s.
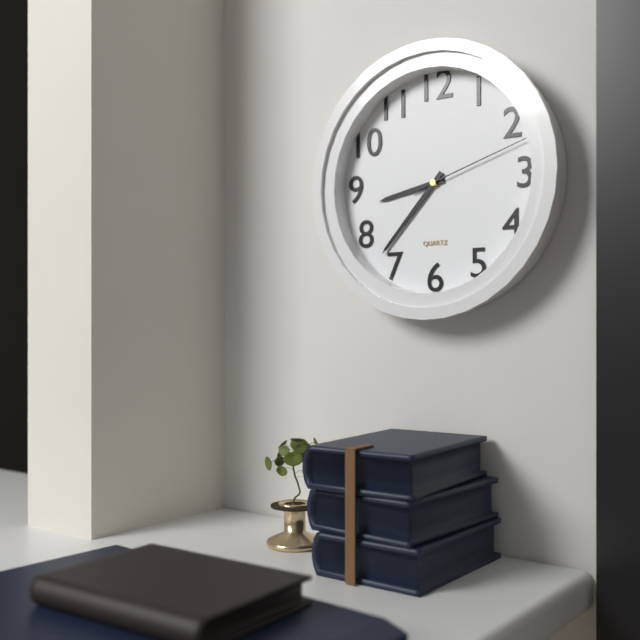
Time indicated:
8h37m12s
